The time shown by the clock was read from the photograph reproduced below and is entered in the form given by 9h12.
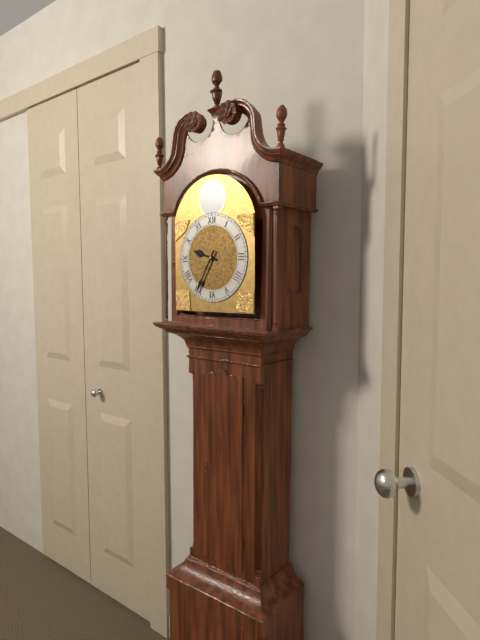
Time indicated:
9h35
